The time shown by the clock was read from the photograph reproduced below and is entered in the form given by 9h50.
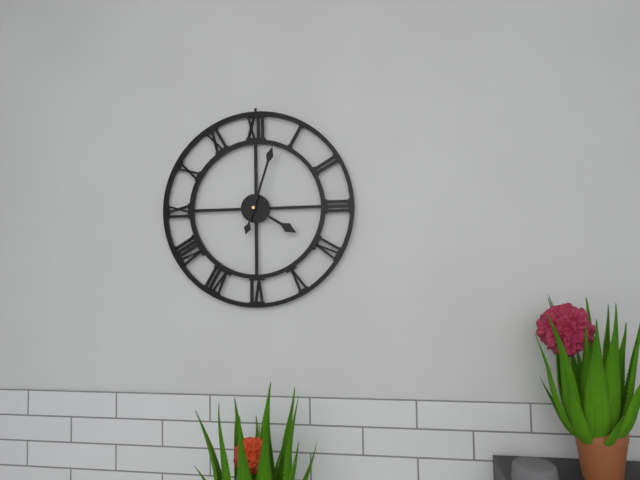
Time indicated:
4h03
